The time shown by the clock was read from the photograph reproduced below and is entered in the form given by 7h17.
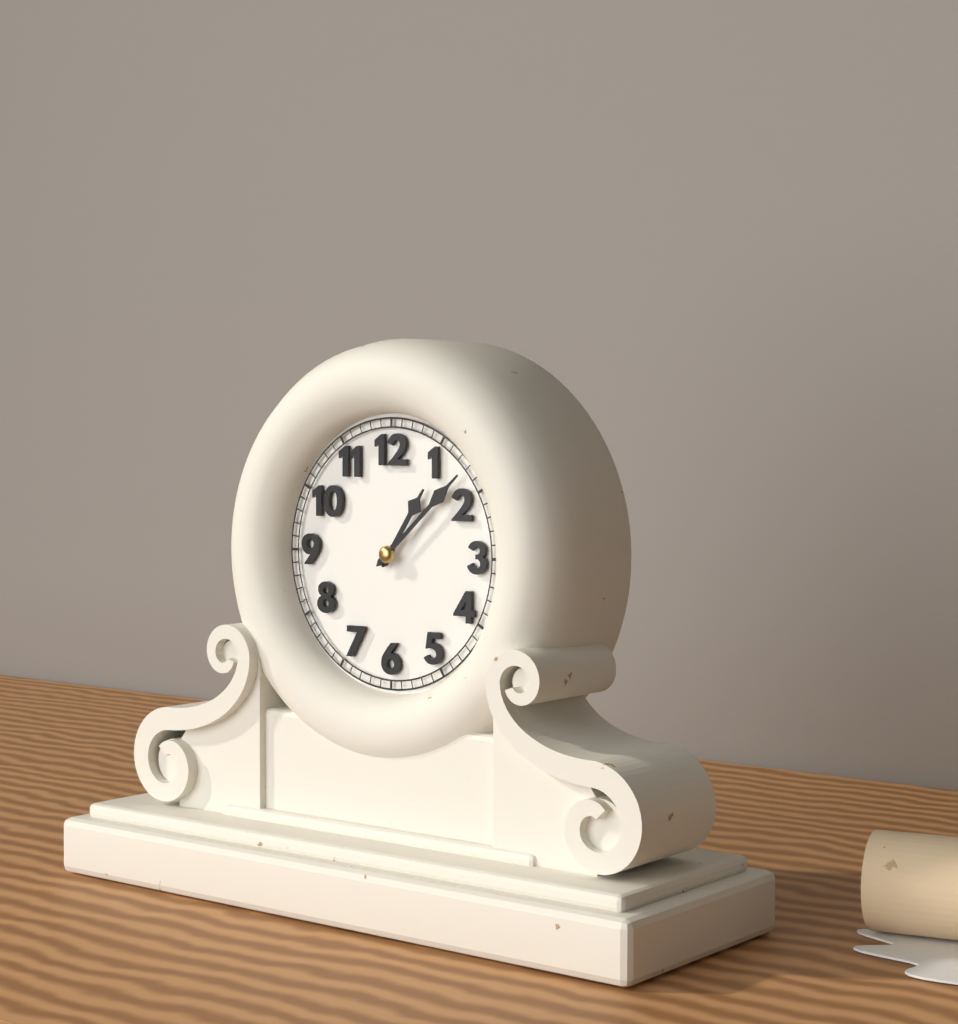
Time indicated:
1h08
